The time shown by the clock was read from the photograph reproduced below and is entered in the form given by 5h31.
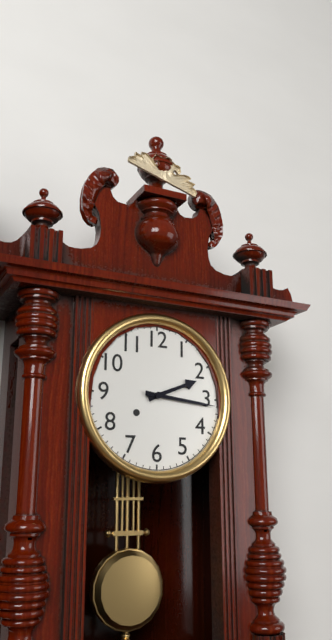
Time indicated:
2h16
